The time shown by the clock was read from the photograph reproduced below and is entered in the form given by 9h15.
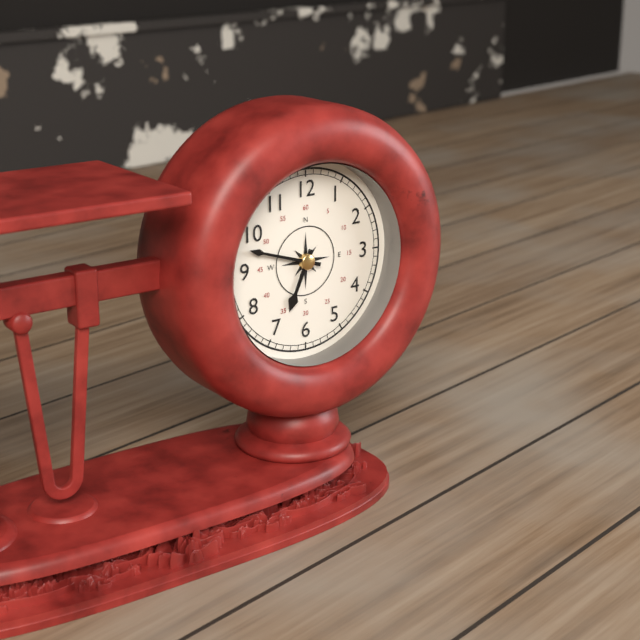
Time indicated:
6h48
